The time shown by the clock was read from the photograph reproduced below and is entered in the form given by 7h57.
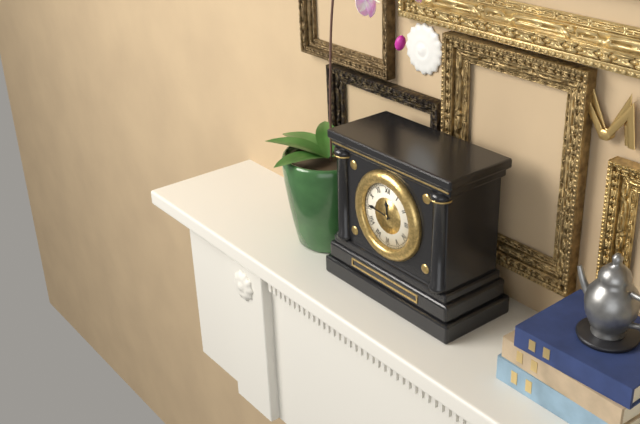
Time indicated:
11h46
